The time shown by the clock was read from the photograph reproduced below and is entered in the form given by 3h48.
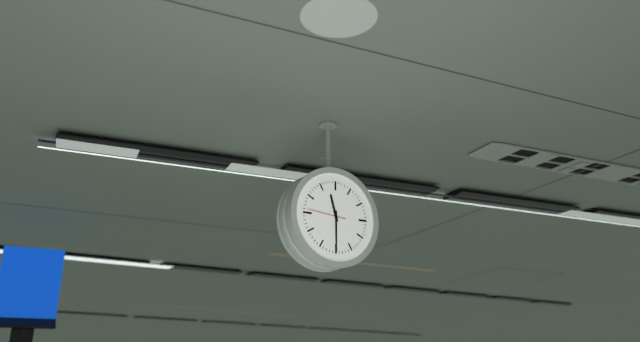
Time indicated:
11h30
